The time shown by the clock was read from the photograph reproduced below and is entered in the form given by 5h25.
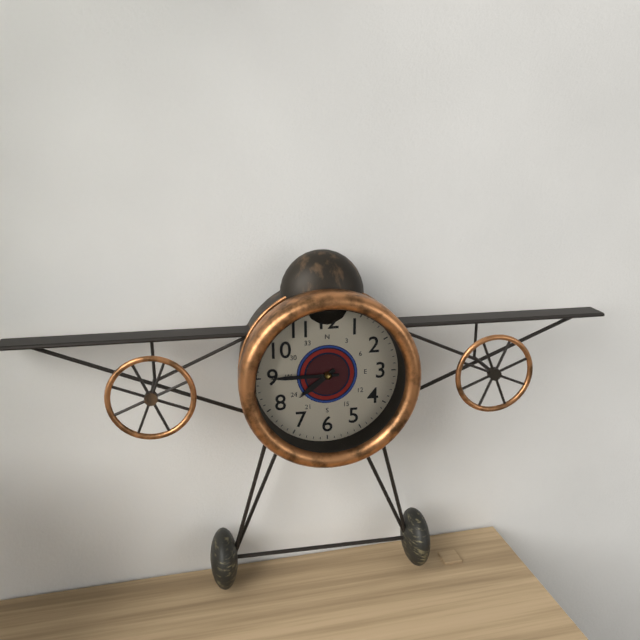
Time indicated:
7h45
